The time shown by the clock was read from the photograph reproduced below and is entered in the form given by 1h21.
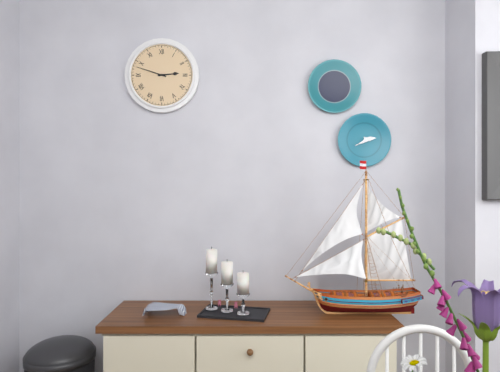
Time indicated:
2h48
